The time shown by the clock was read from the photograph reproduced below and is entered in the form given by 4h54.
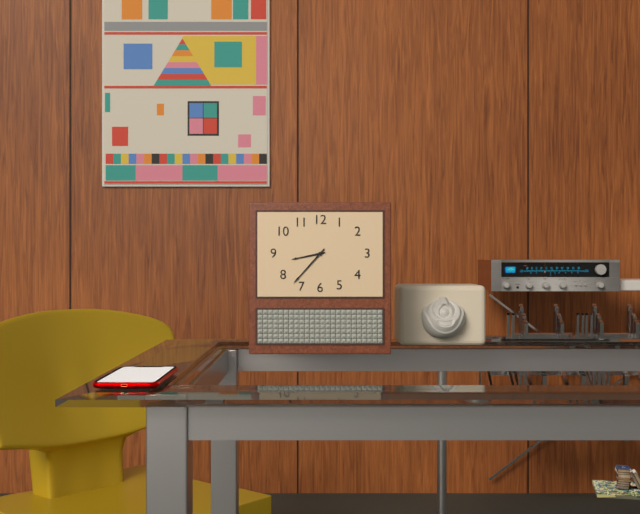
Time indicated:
8h37
